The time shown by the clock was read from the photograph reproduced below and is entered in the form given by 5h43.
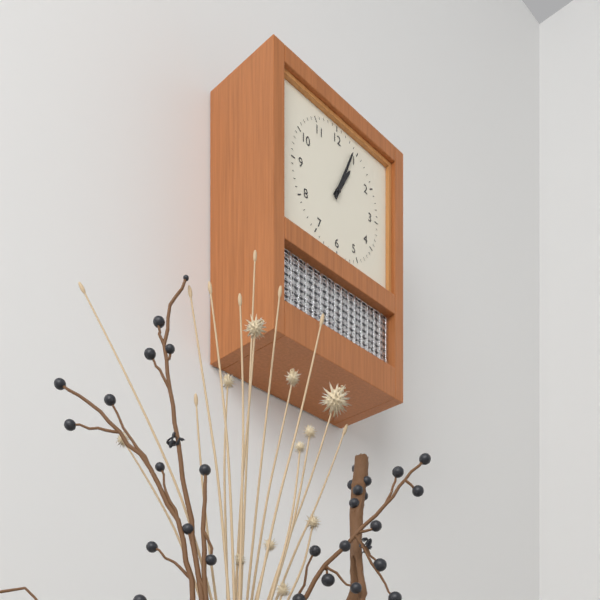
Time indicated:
1h04
